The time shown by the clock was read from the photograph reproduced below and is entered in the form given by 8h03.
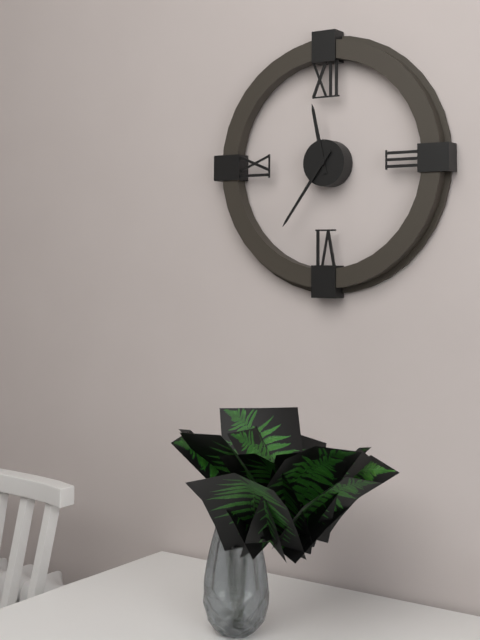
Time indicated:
11h36
